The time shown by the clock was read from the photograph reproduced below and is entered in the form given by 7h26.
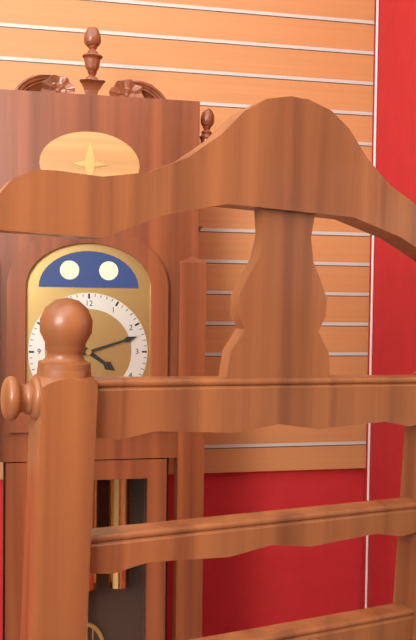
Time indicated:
4h12
